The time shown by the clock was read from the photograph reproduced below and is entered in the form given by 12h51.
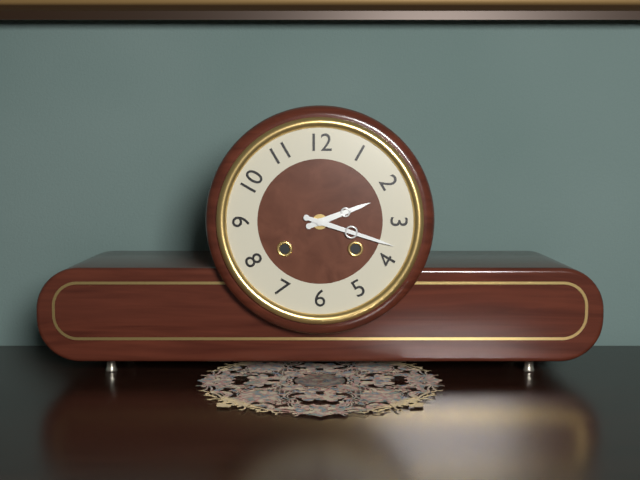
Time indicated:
2h18
